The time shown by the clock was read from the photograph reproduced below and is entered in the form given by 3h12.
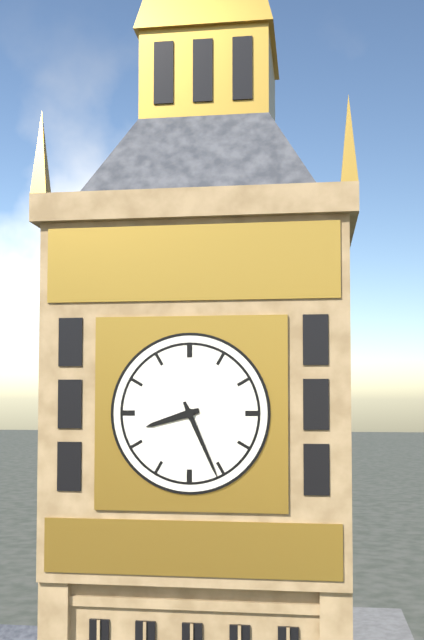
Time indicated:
8h26
